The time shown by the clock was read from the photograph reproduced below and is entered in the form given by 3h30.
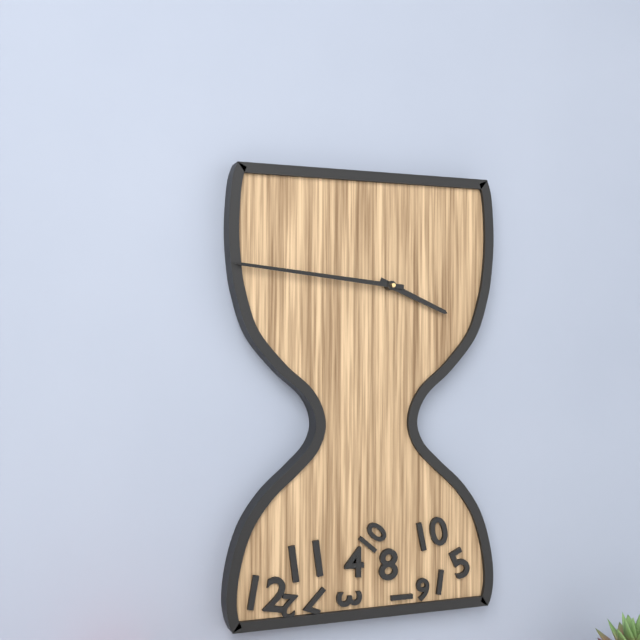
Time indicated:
3h46
